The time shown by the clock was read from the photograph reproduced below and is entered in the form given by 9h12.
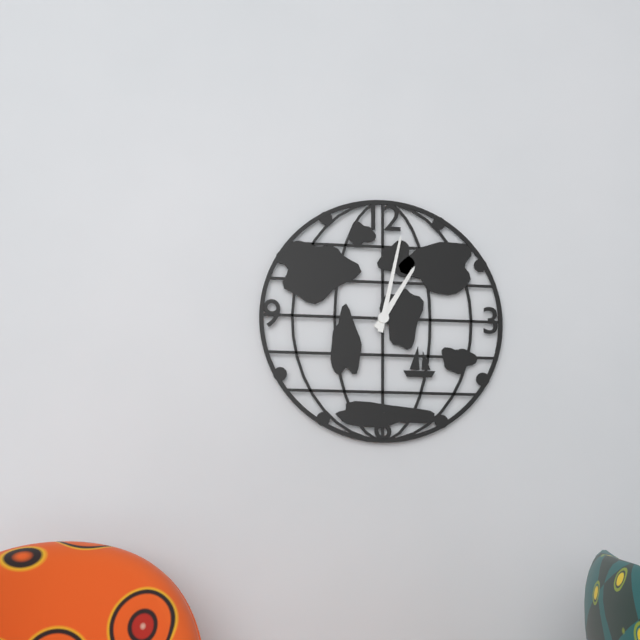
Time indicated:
1h02
